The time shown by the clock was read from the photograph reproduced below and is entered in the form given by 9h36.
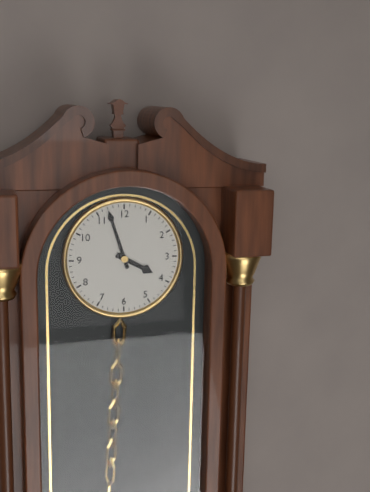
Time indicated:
3h57
